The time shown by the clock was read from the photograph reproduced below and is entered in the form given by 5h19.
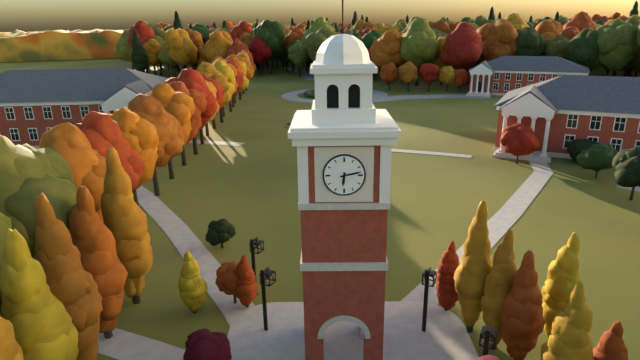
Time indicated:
6h13
